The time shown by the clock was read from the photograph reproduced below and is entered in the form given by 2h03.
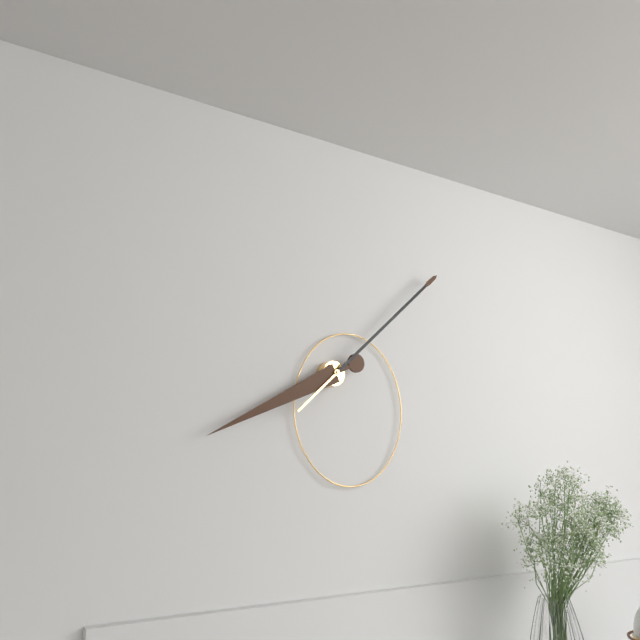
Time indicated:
8h08
